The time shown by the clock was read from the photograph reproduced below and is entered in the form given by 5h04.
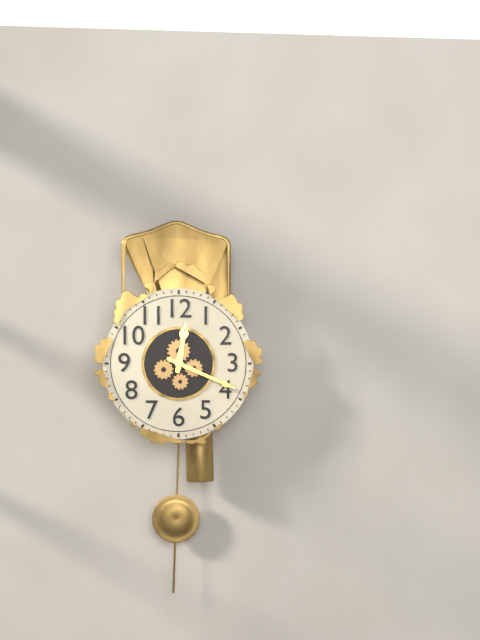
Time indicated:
12h19
